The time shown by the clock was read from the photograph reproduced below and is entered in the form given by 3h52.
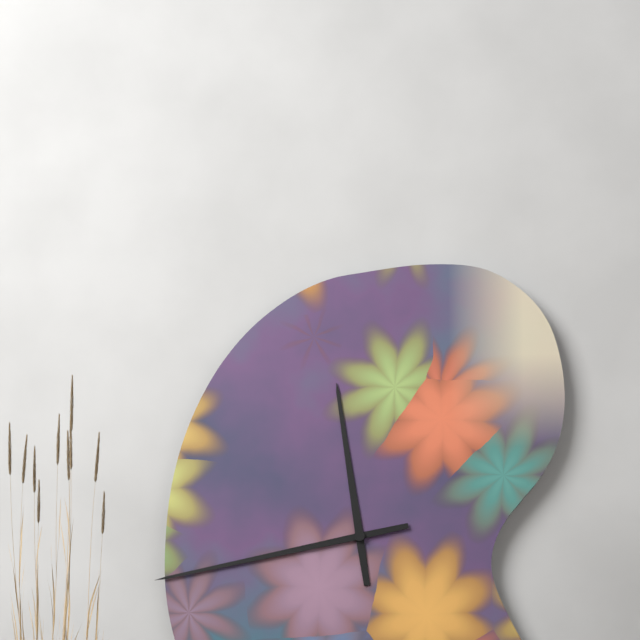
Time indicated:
11h43
